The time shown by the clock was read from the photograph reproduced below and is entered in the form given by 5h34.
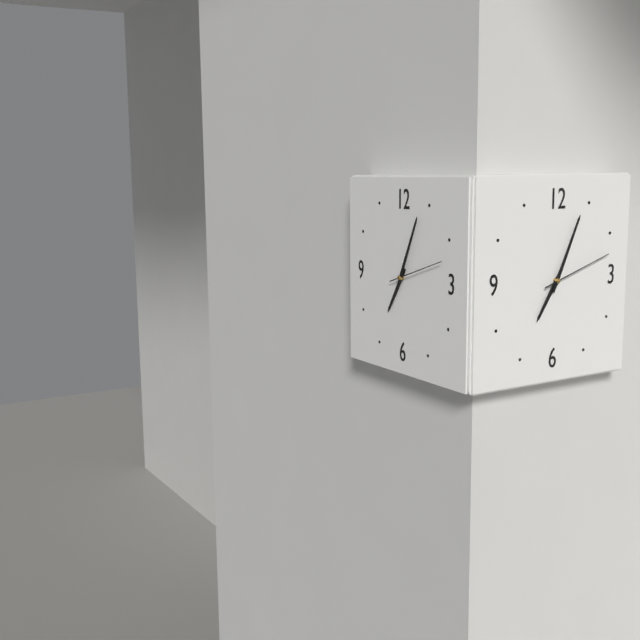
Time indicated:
7h04
